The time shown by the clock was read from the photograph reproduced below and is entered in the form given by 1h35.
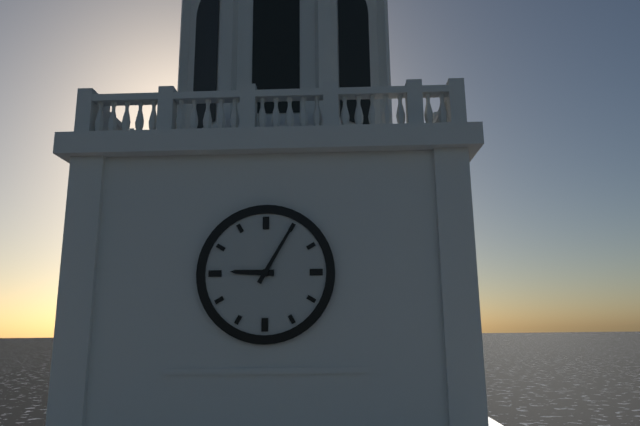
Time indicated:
9h05
